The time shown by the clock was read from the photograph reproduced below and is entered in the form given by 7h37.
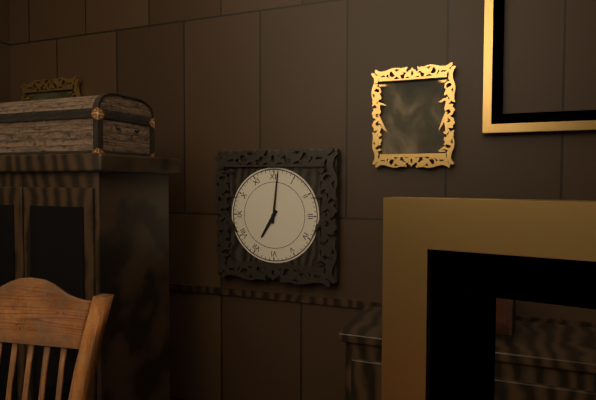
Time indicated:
7h01
